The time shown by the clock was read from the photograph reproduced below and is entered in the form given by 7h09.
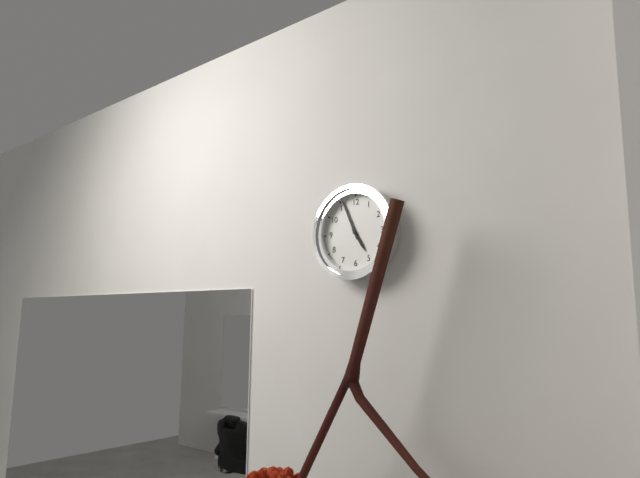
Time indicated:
4h56
